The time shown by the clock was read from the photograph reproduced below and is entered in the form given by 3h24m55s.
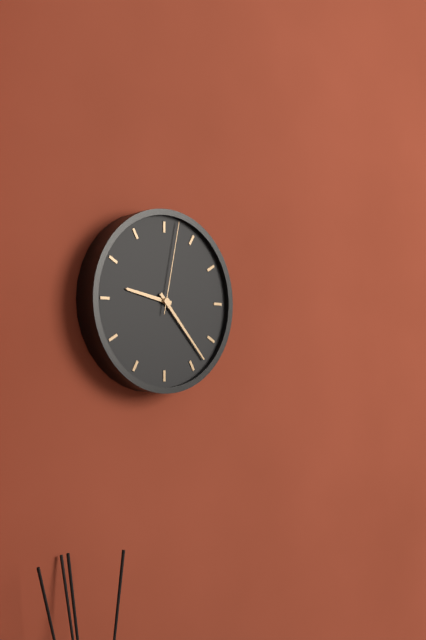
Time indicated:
9h23m02s
